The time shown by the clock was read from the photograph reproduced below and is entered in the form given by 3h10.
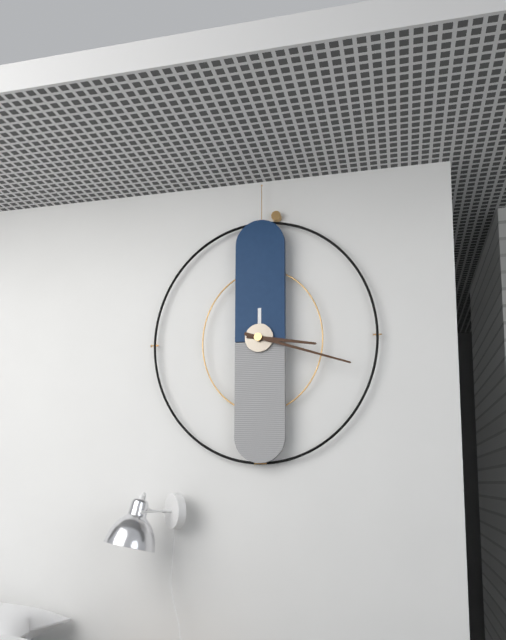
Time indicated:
3h18
